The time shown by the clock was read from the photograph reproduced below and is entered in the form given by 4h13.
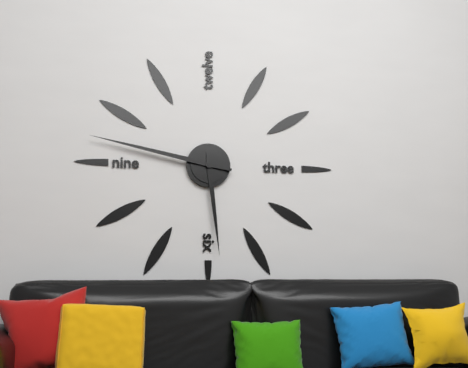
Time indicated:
5h47
